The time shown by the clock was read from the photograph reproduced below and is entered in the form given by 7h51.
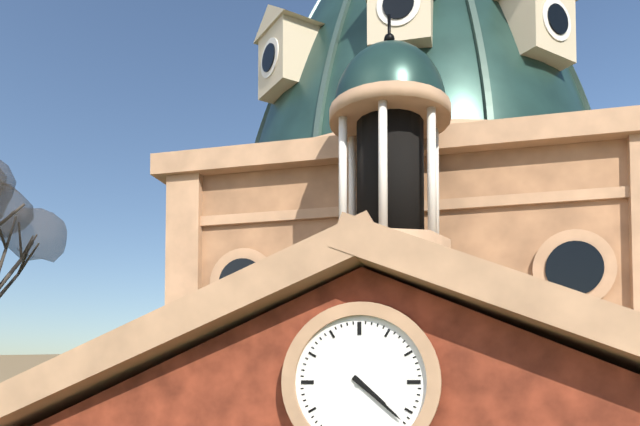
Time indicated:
4h22
